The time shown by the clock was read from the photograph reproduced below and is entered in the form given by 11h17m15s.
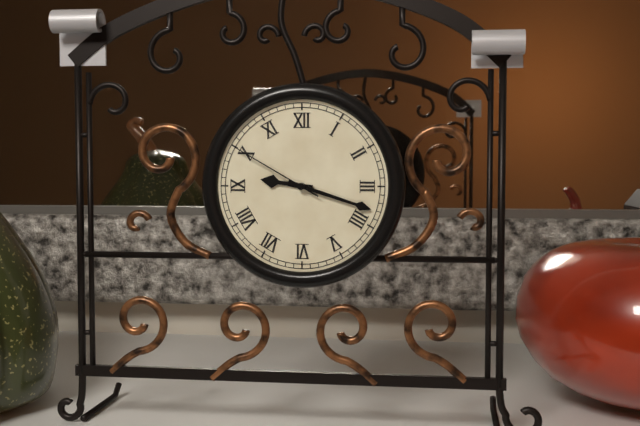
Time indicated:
9h18m50s
